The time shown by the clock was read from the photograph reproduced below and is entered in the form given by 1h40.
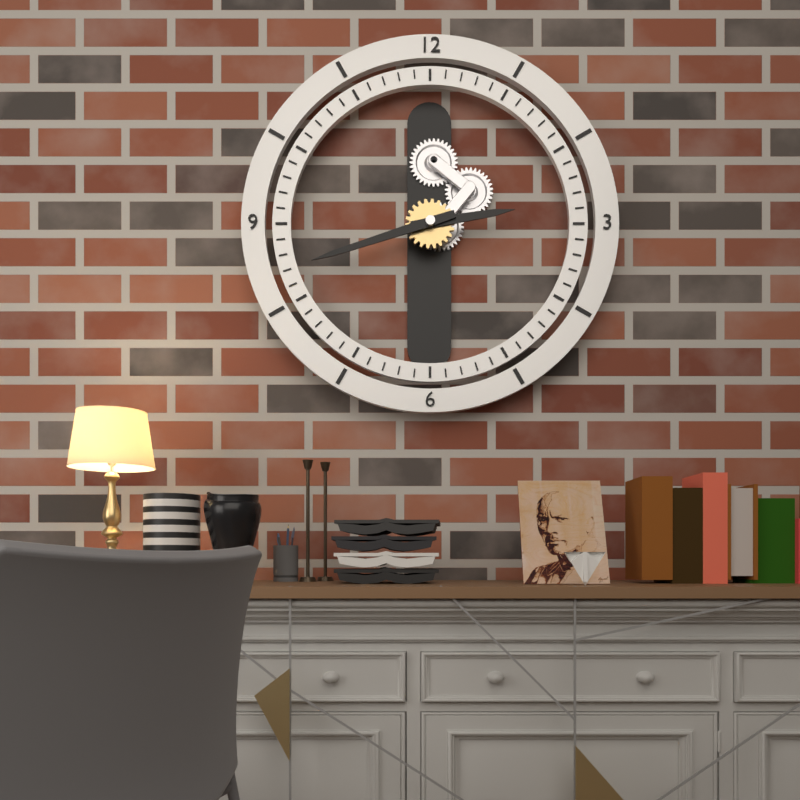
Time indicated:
2h42
